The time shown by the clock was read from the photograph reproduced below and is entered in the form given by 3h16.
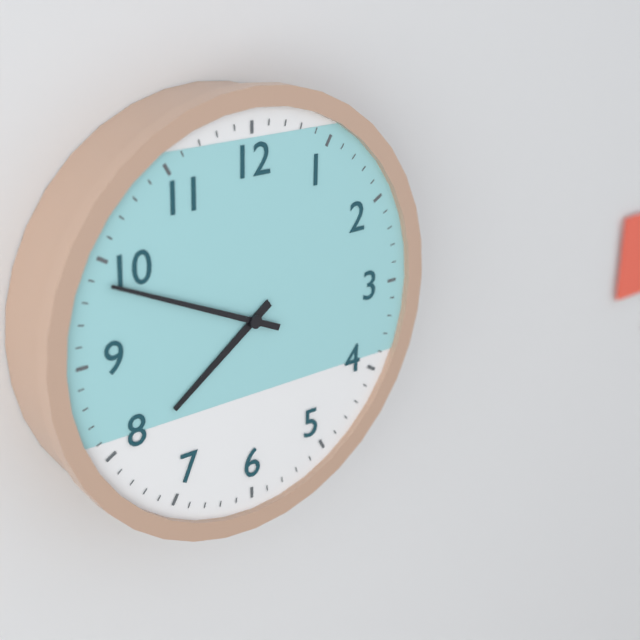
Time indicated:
7h49
